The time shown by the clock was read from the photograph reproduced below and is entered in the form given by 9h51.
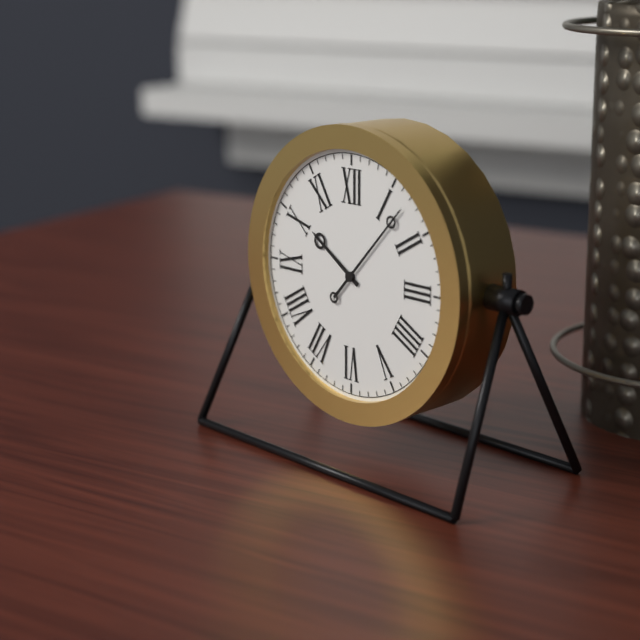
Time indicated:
10h07
